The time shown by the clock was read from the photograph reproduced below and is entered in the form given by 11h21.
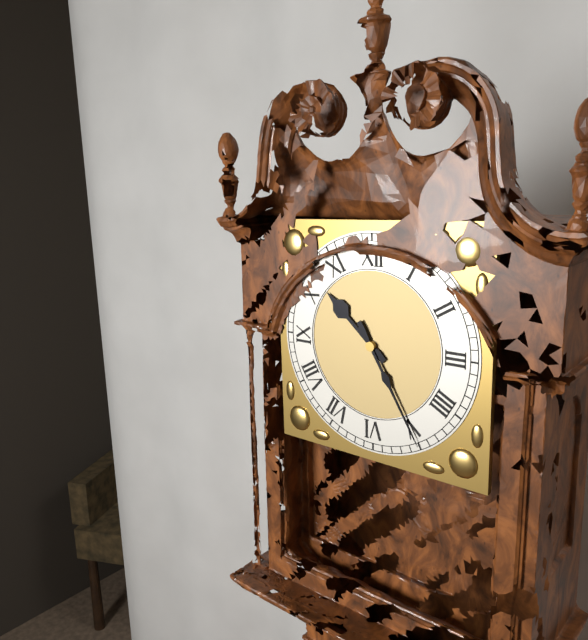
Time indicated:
10h25
